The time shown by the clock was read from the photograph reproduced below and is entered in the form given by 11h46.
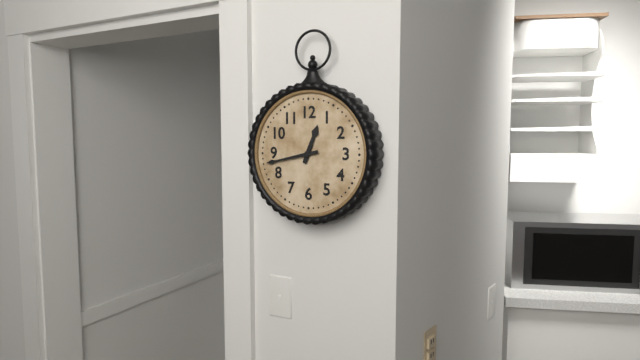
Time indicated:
12h43
